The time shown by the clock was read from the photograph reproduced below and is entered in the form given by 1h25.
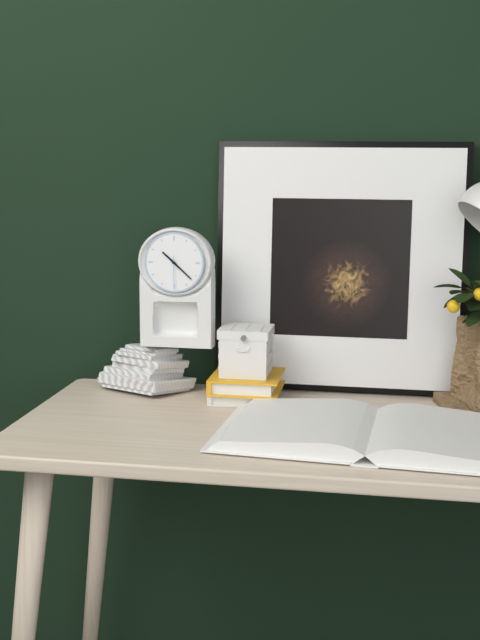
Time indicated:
10h22
